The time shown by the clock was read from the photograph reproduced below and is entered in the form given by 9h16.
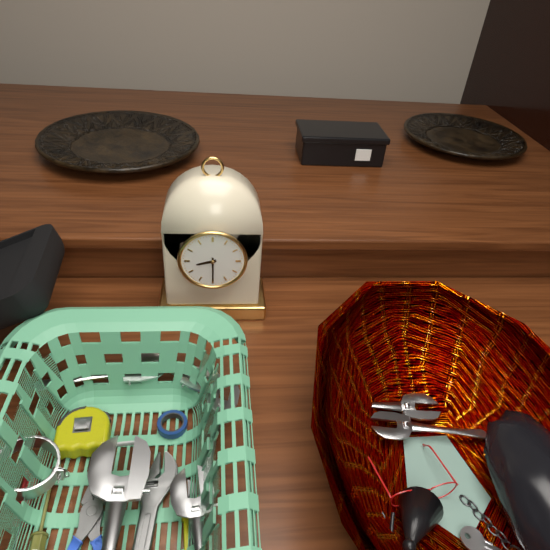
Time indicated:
8h30
